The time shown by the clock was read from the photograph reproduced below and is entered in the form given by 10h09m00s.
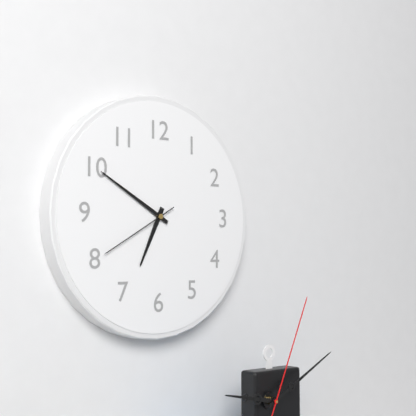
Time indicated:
6h50m40s
